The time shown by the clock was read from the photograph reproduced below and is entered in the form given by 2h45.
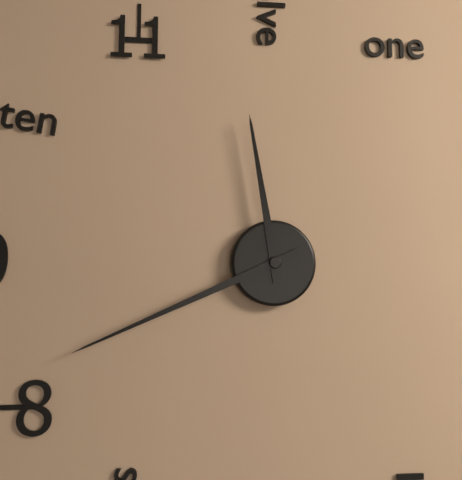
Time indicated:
11h41
